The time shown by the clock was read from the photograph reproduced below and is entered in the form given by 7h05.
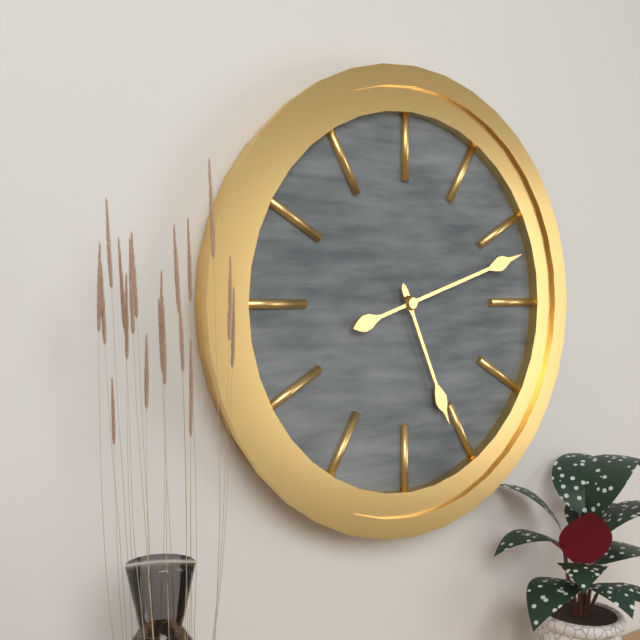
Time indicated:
5h12
